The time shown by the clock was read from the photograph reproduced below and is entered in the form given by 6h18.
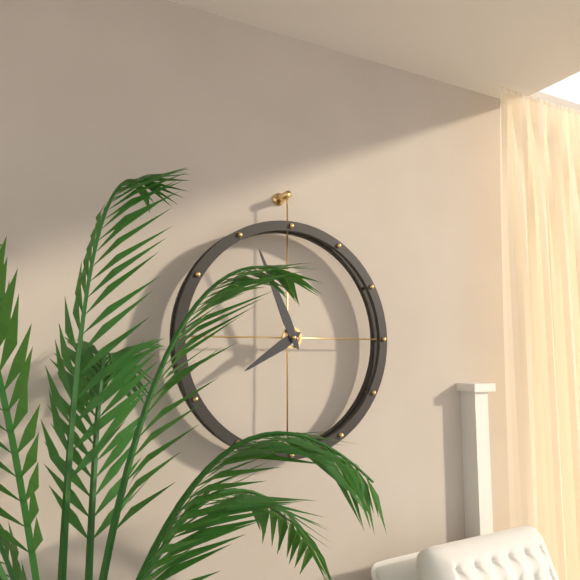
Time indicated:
7h56
